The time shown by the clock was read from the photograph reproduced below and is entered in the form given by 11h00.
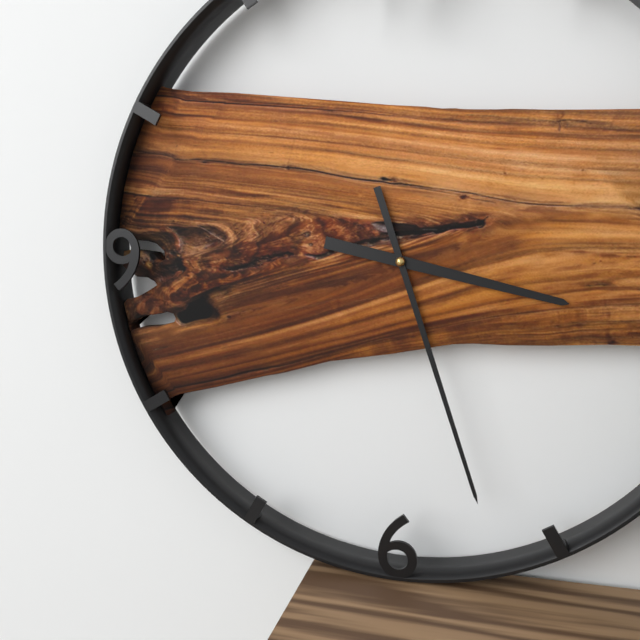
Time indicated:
3h27
